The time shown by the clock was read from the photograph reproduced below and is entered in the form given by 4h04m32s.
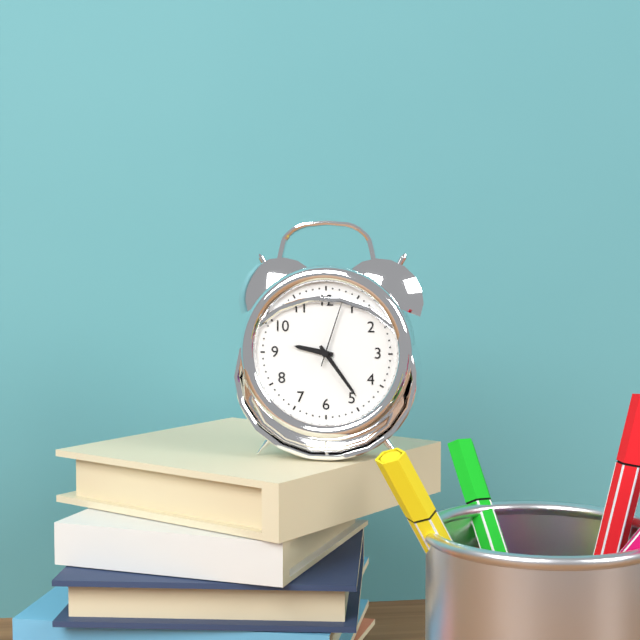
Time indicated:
9h24m03s
